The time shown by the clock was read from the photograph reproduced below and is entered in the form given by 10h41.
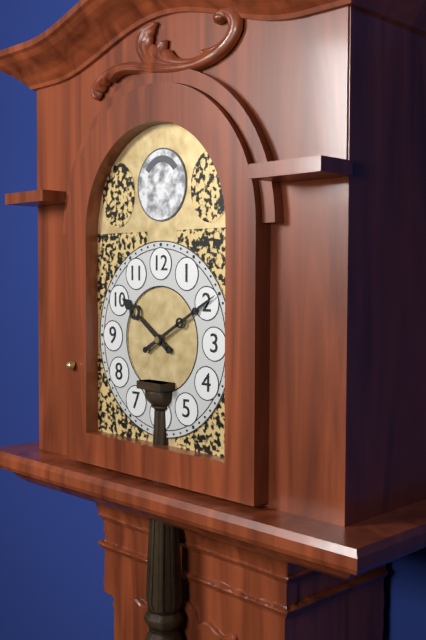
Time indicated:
10h10
